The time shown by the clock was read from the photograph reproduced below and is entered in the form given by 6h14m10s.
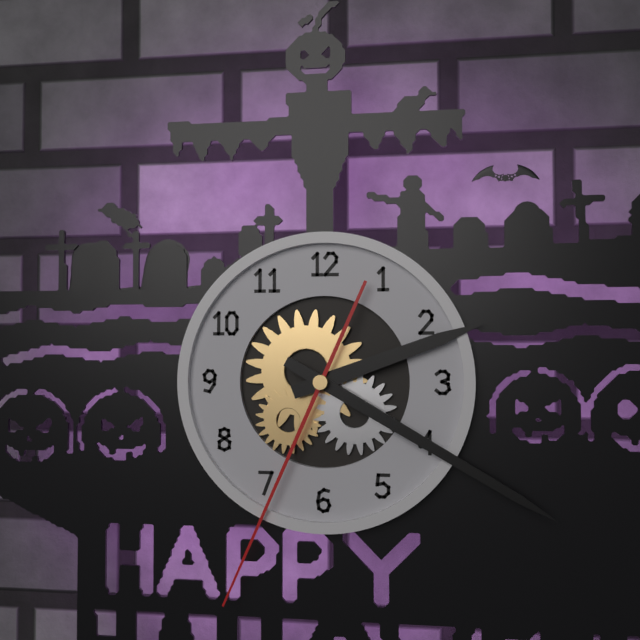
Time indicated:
2h20m34s
